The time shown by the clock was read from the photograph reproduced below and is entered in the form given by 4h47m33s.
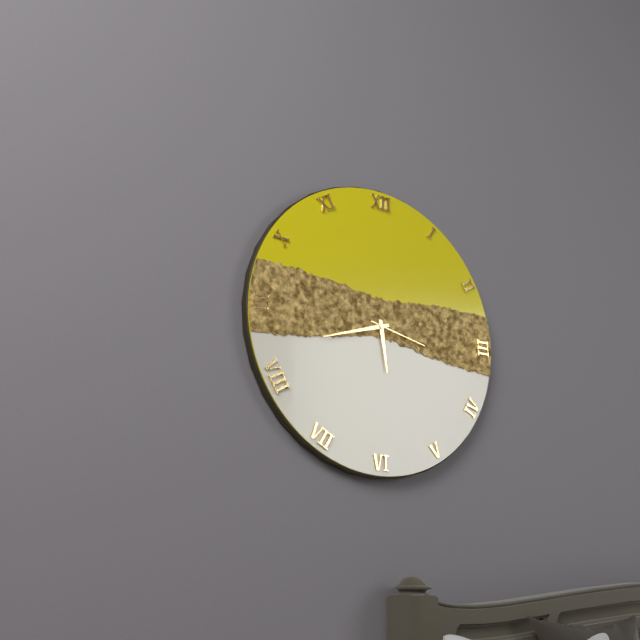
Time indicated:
5h42m17s
